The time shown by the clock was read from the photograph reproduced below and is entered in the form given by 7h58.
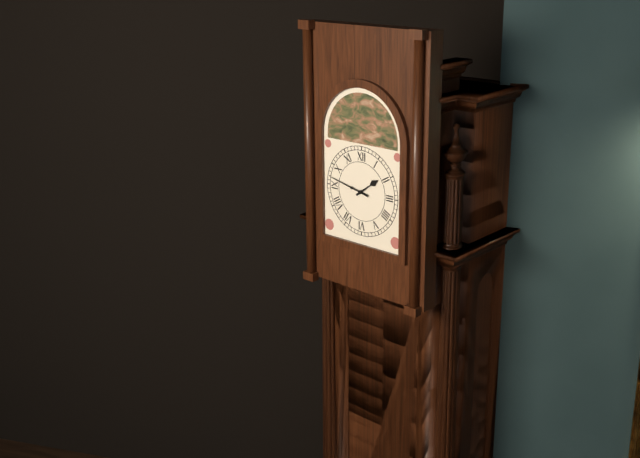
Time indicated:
1h47
